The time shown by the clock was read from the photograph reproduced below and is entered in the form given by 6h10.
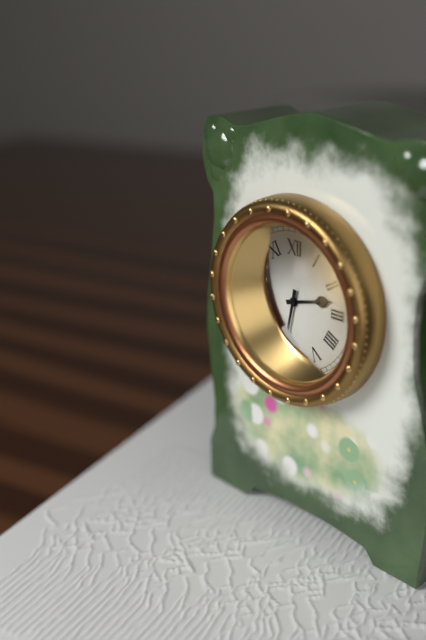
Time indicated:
2h32
